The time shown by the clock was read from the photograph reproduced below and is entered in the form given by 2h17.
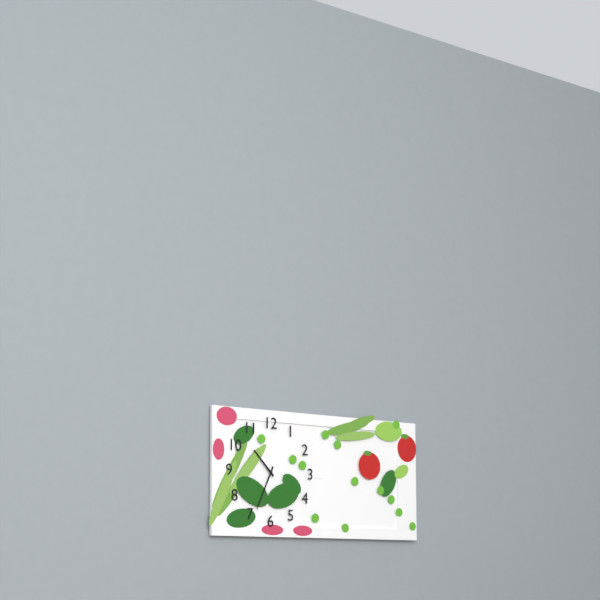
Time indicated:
10h34
